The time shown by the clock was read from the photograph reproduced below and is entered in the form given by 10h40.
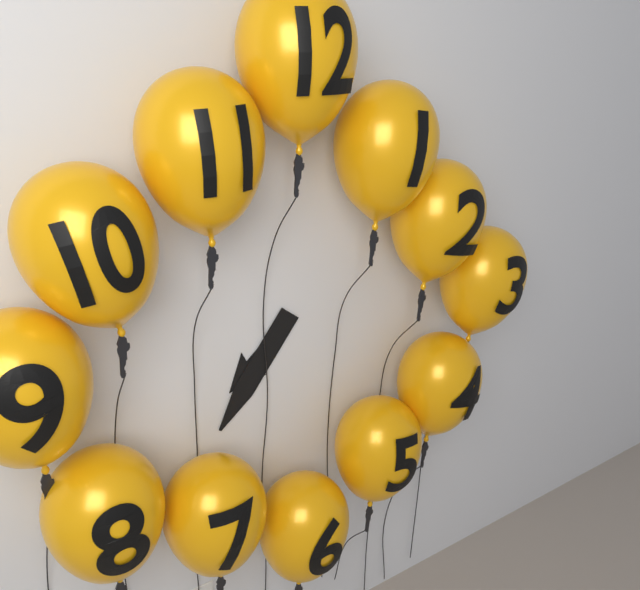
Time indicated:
7h36
